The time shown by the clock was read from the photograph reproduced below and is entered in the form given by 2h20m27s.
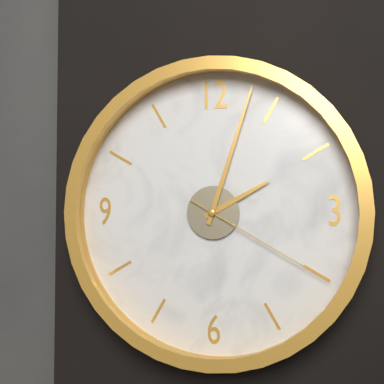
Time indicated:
2h03m20s
